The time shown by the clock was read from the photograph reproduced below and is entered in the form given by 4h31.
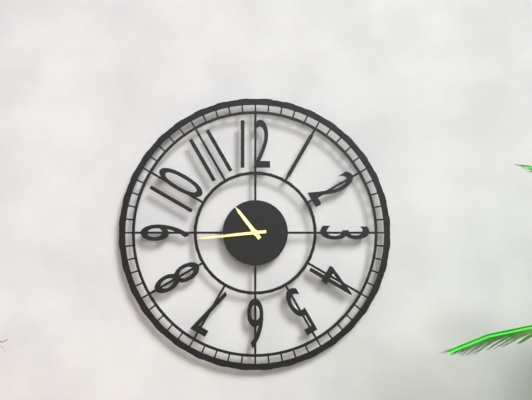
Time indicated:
10h44
